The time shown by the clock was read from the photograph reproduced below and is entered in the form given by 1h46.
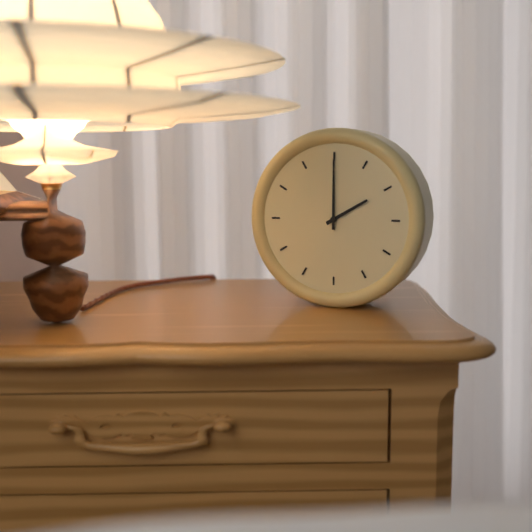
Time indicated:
2h00
